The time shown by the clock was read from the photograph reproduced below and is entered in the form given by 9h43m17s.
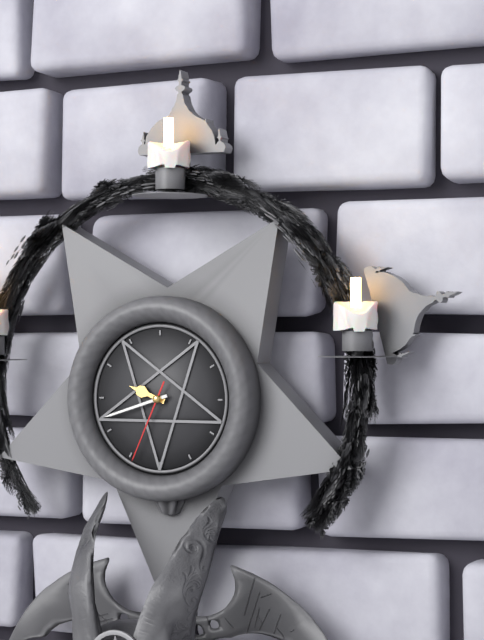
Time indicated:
9h42m34s
